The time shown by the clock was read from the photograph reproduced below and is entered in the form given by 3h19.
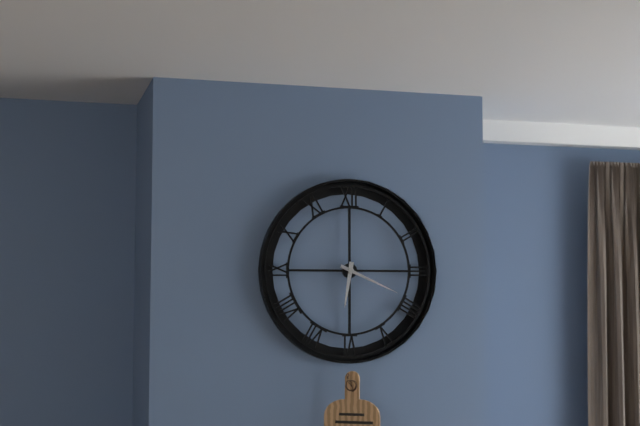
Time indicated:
6h19
